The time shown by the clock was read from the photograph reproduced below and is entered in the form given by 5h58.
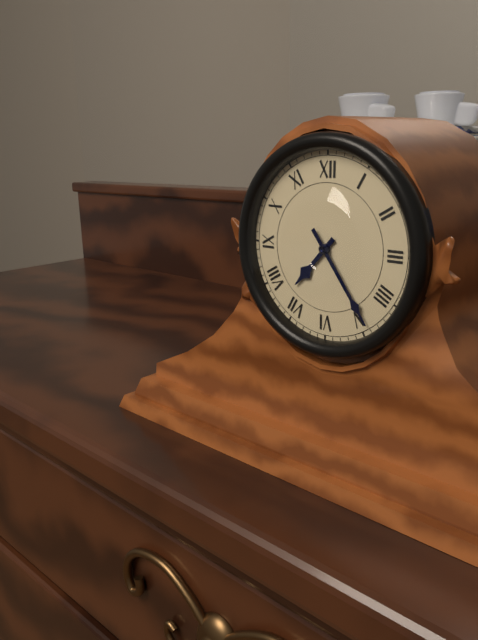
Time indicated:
7h24
